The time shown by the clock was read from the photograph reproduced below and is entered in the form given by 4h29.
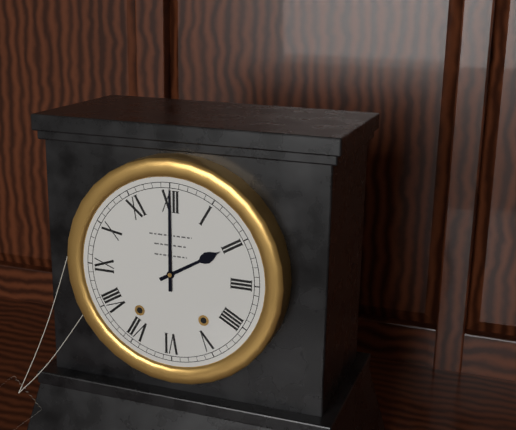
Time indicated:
2h00
